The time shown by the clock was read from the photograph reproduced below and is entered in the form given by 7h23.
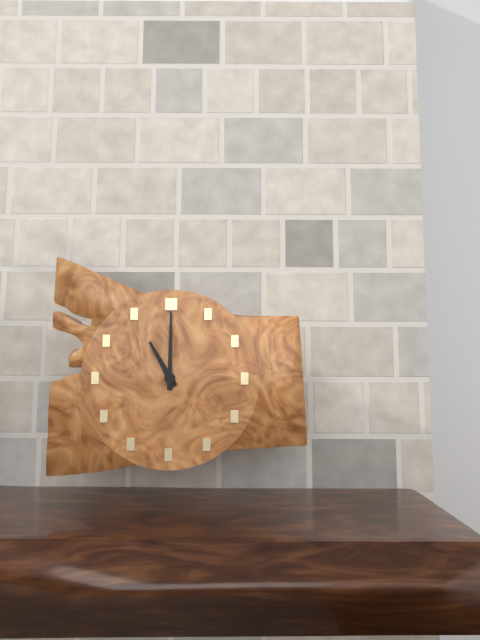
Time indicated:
11h00
